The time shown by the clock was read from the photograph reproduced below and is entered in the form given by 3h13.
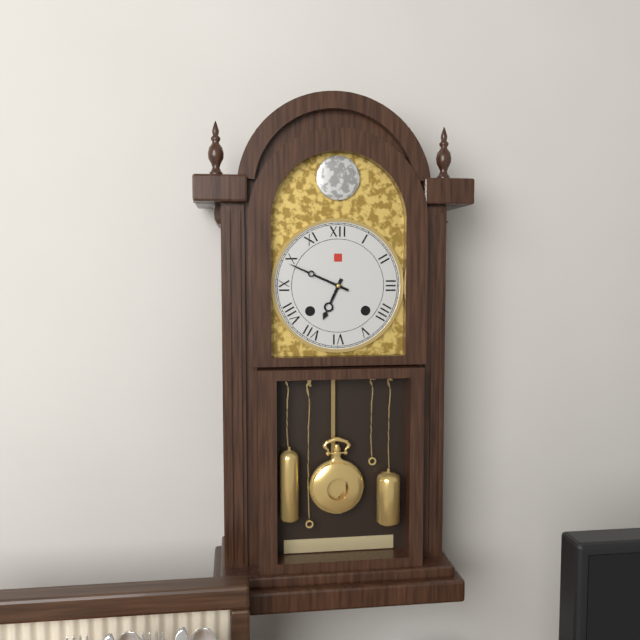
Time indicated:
6h49
